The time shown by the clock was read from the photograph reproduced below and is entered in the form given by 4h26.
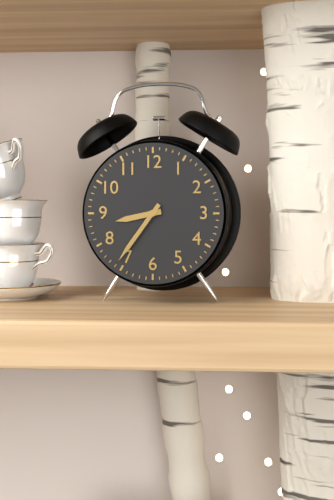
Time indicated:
8h36
